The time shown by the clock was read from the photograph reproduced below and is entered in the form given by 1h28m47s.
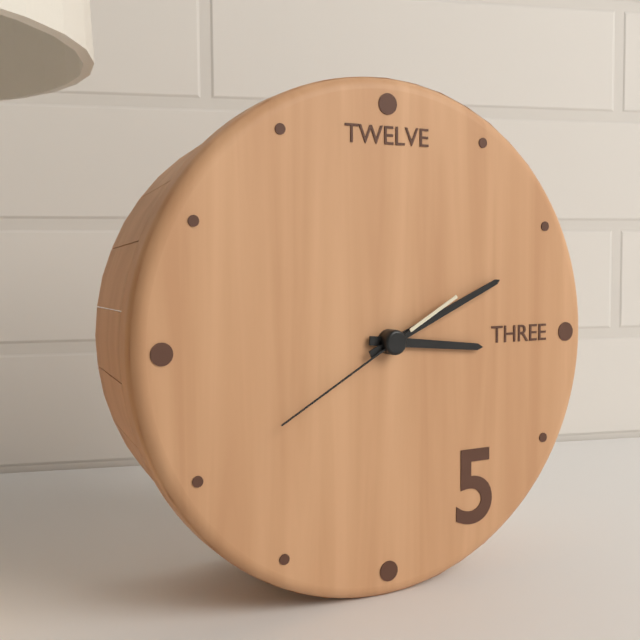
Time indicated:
3h11m40s
